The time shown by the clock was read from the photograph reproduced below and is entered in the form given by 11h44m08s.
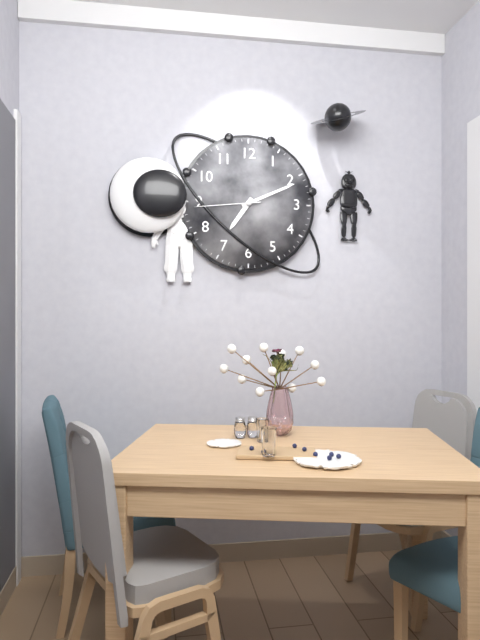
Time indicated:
7h11m44s
